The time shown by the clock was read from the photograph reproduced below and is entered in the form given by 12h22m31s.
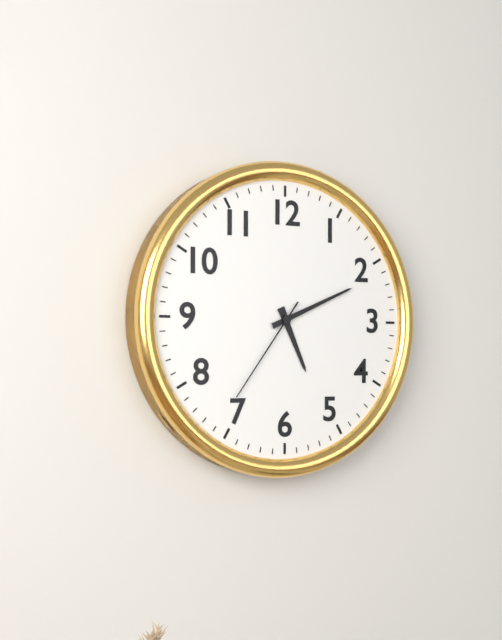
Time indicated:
5h11m36s
